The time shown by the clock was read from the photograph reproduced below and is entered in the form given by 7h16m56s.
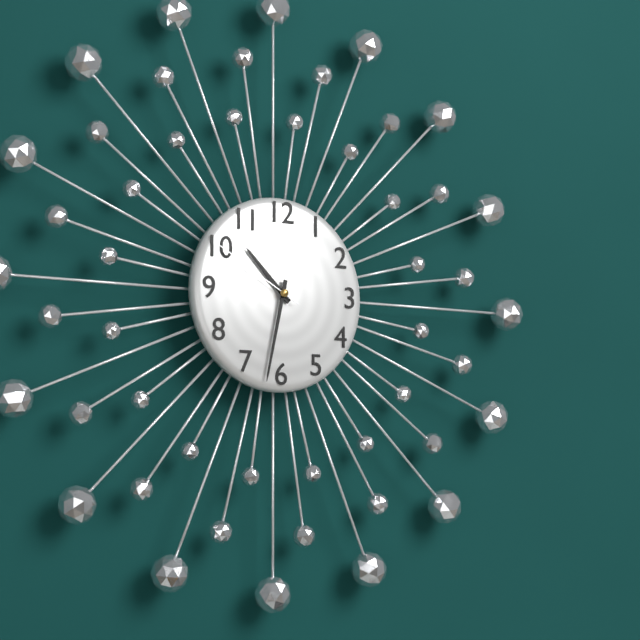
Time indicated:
10h32m50s
